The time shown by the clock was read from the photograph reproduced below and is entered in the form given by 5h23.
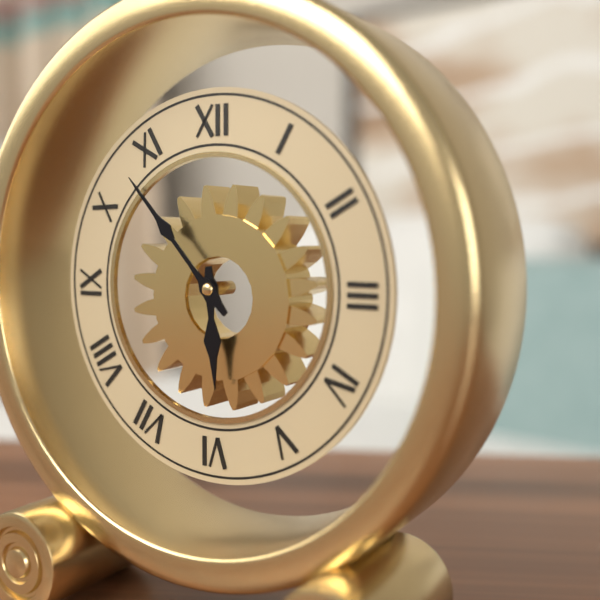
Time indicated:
5h53
